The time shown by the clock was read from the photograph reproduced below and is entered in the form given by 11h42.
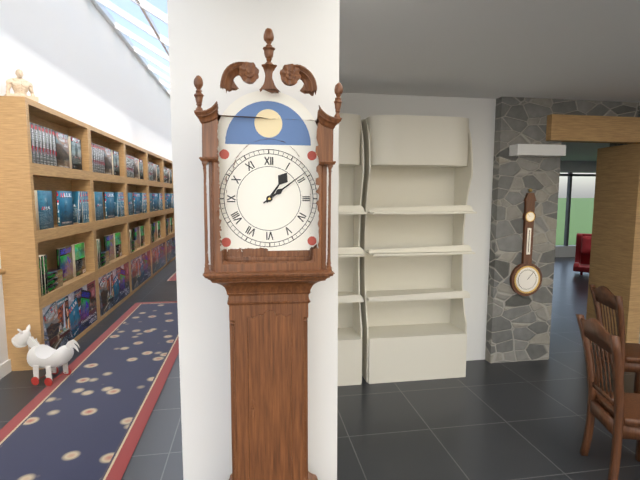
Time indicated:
1h09
